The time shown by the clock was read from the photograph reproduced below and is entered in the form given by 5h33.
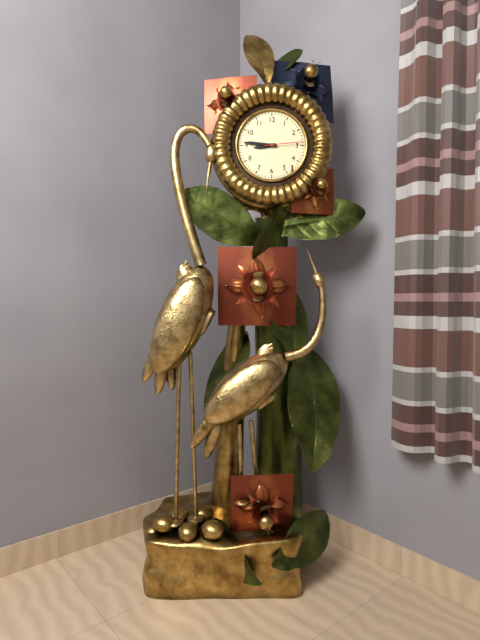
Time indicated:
8h46
